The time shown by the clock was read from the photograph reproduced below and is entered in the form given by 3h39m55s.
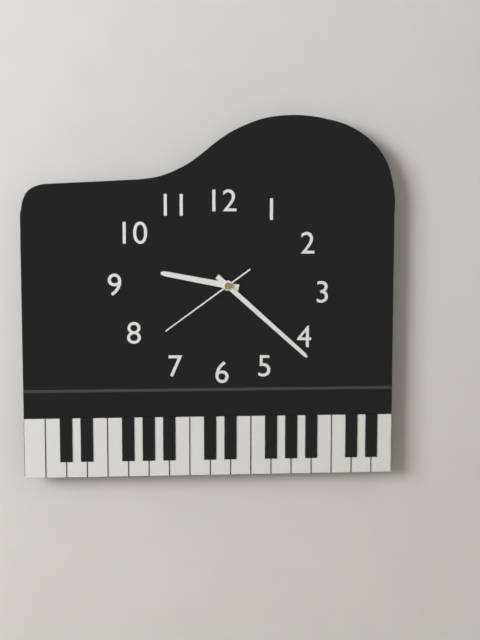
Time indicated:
9h22m39s
